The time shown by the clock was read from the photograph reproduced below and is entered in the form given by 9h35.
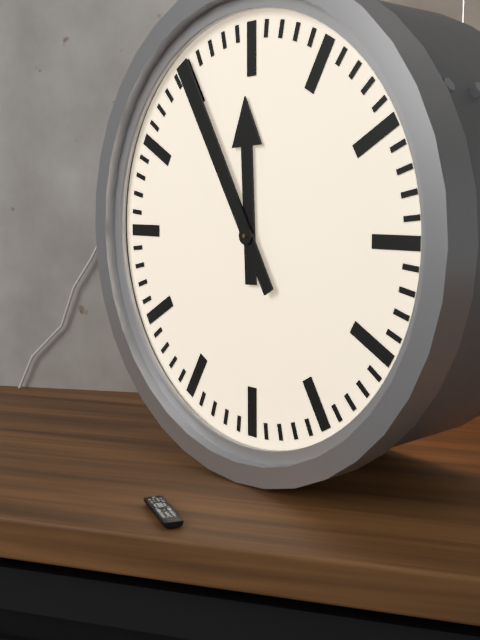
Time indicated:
11h55
